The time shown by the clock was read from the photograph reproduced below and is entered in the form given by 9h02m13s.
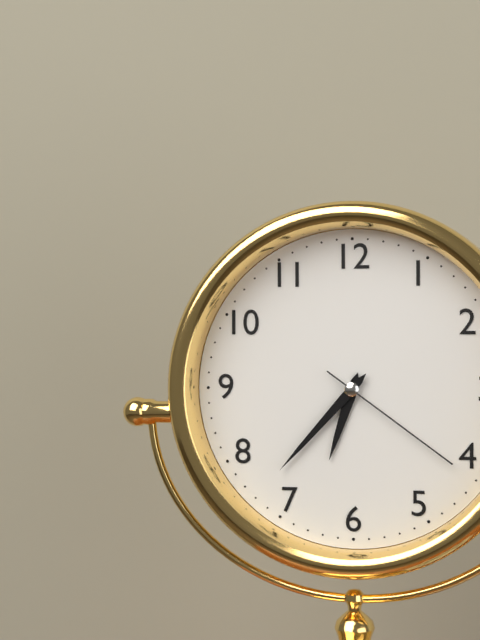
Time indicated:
6h37m21s
